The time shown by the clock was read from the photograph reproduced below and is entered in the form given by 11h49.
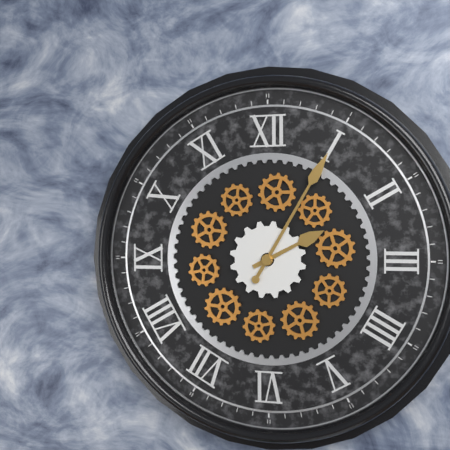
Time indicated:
2h05
